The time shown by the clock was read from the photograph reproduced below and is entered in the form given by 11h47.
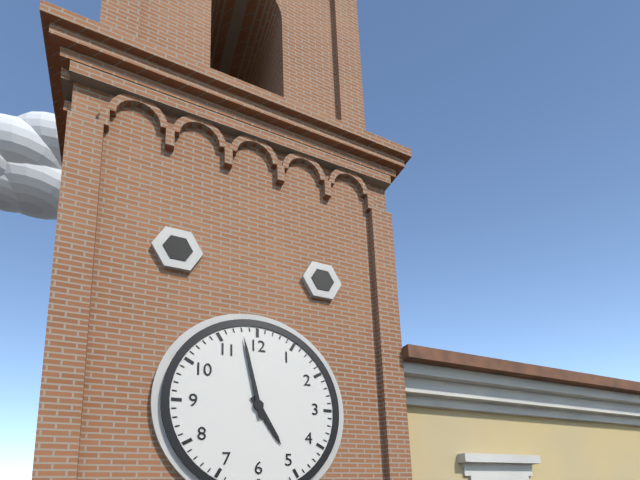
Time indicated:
4h58
